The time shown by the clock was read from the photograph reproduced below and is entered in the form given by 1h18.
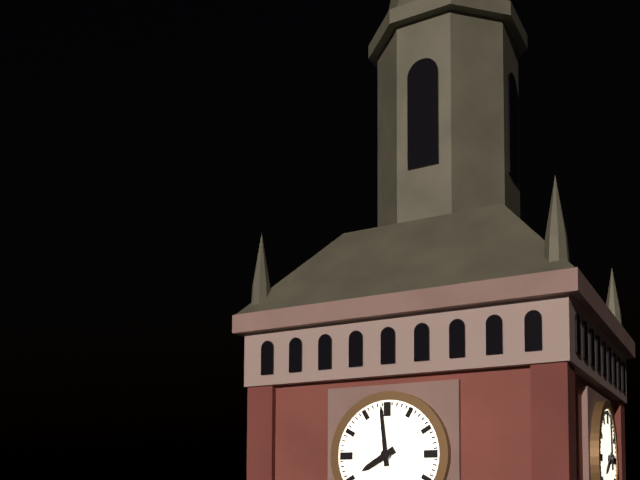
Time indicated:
7h59
